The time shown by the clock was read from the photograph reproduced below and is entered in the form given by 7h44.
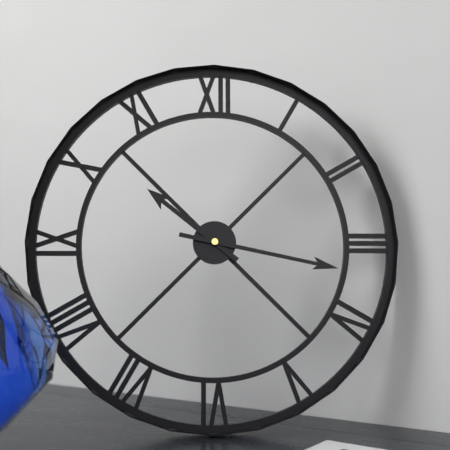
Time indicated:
10h17
